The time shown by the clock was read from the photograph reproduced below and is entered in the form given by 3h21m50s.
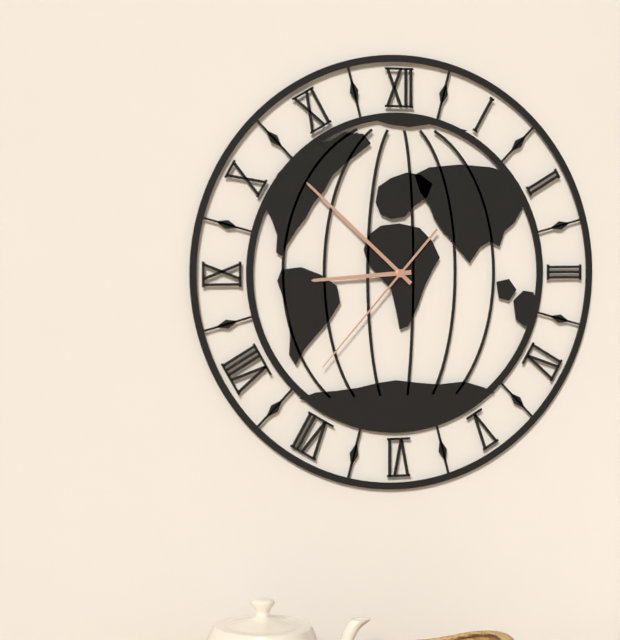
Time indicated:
8h52m37s
